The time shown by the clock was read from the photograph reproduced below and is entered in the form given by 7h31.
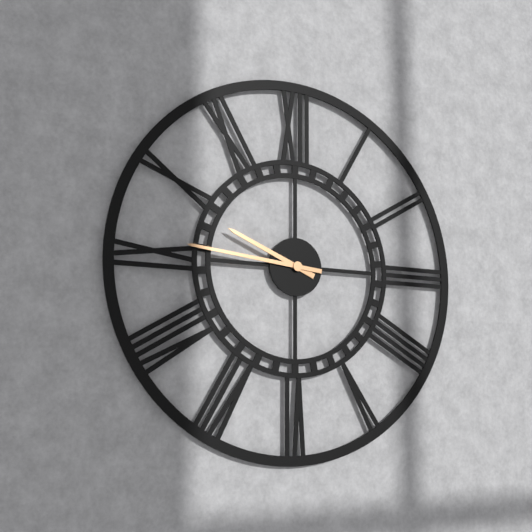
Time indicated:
9h46
